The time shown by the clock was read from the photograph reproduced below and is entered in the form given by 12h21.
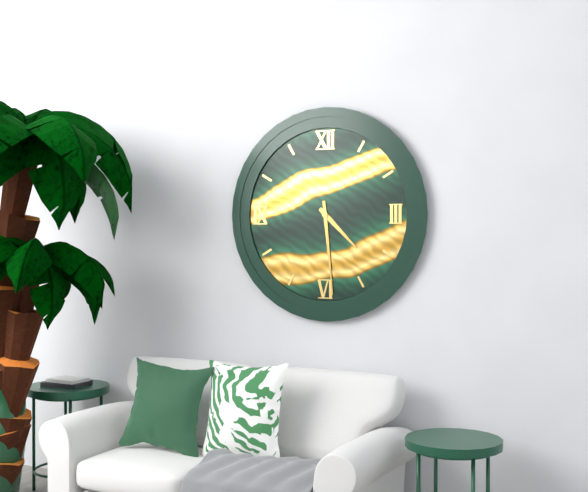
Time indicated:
4h29
